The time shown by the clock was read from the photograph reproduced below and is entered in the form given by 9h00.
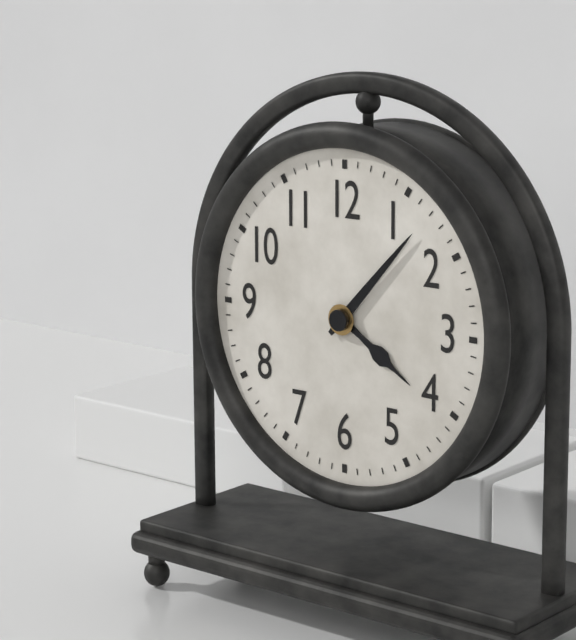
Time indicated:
4h07
